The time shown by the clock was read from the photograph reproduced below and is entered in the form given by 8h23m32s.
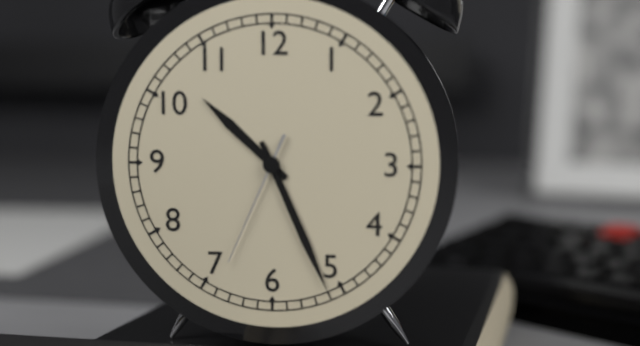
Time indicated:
10h26m34s
